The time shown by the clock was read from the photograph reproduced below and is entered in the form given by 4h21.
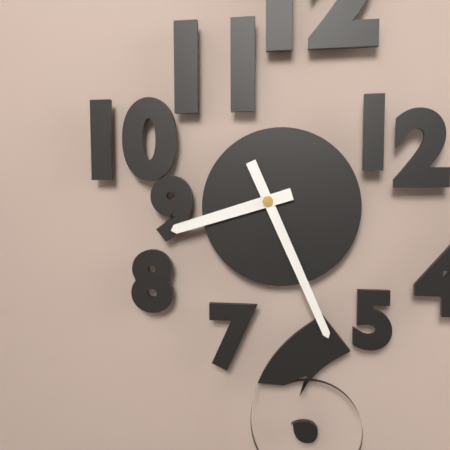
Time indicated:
8h26
